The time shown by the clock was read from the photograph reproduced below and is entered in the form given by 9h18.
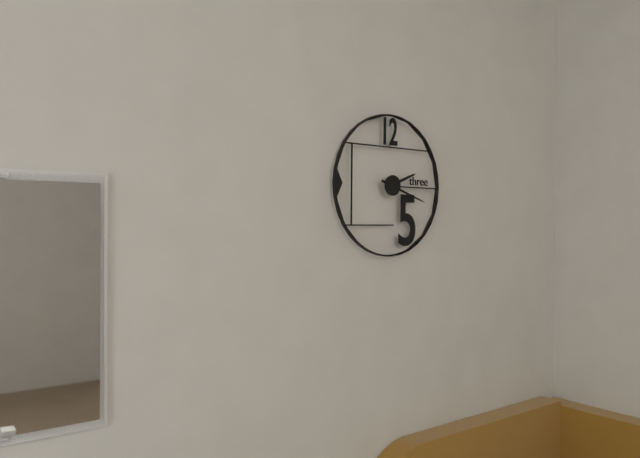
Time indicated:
2h18
